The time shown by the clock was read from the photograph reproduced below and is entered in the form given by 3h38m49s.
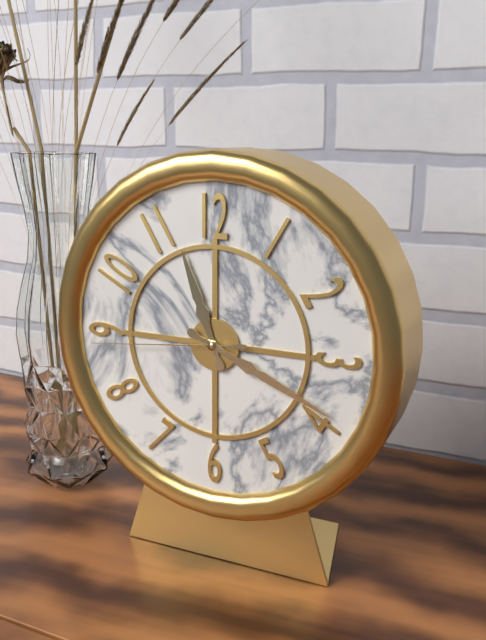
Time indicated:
11h19m44s
